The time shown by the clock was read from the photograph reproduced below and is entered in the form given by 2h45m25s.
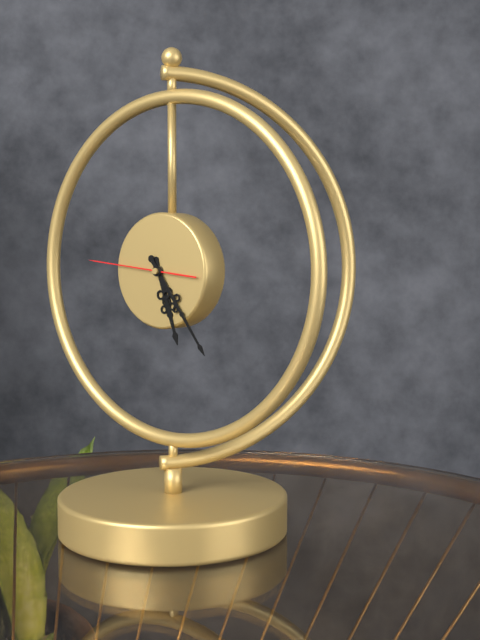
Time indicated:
5h24m46s
